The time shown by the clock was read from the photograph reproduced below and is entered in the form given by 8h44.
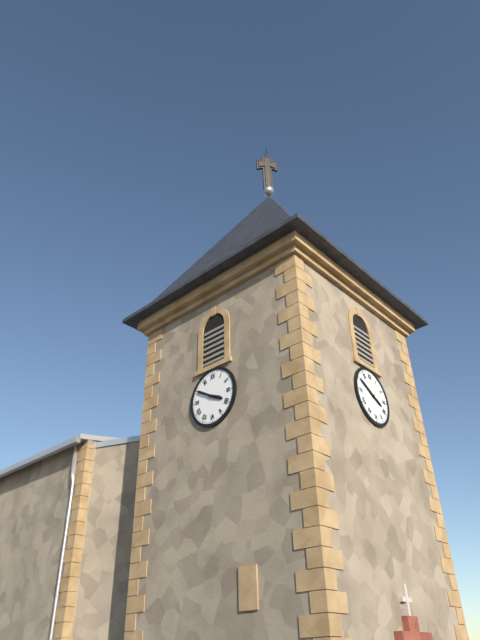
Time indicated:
3h50
